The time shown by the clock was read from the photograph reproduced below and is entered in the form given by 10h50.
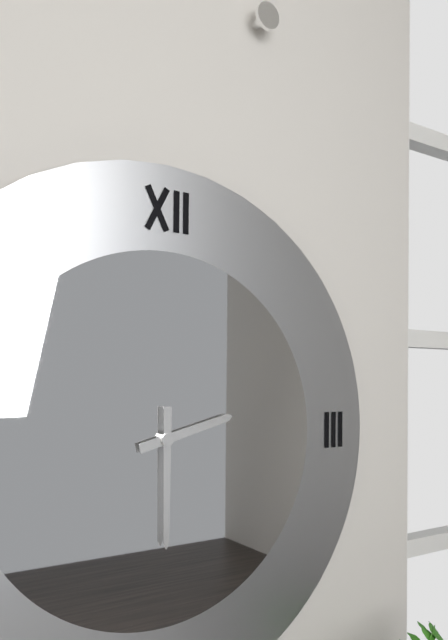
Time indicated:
2h30
